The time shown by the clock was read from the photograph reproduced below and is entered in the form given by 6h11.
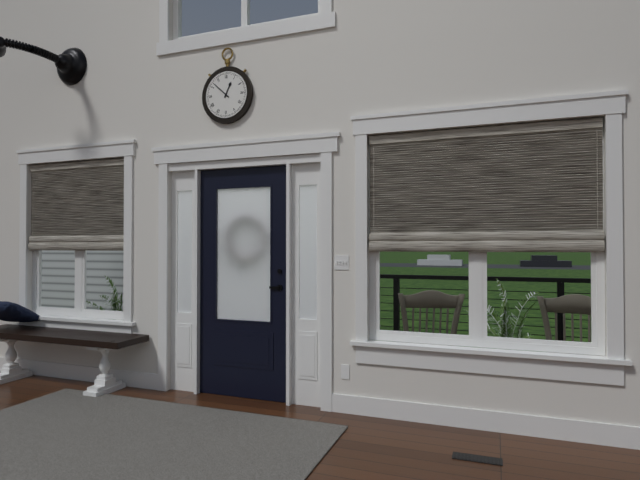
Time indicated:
12h52
